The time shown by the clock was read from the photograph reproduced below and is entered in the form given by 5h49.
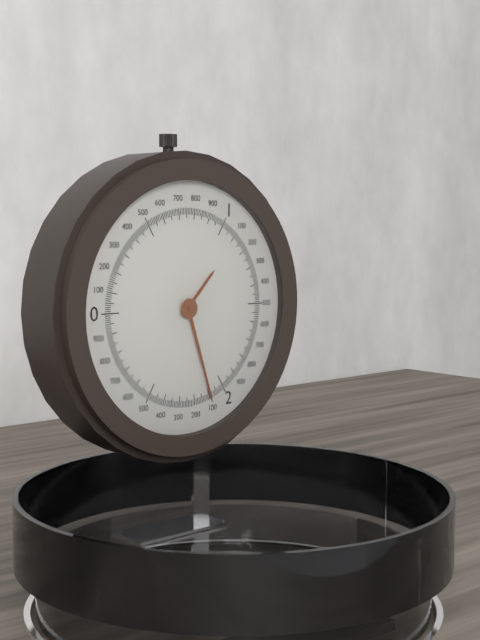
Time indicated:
1h27
